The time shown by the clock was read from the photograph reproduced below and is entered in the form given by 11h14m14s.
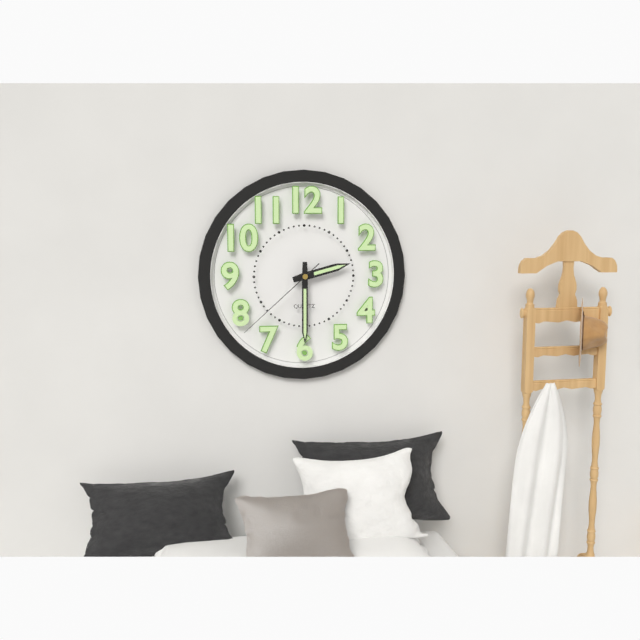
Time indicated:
2h30m38s
